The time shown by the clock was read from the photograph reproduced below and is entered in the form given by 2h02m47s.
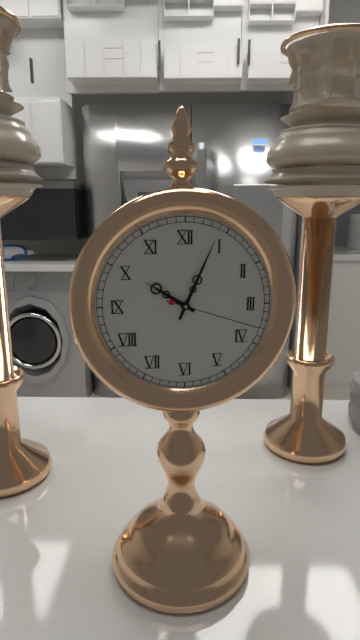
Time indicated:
10h04m18s
